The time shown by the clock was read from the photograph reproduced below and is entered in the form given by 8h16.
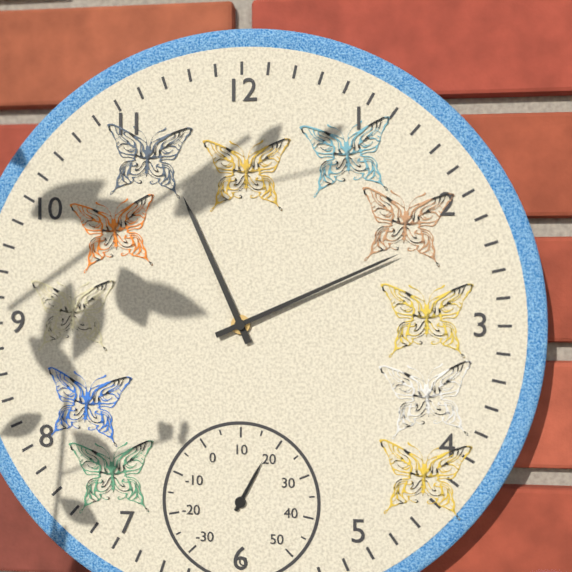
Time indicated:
11h11
